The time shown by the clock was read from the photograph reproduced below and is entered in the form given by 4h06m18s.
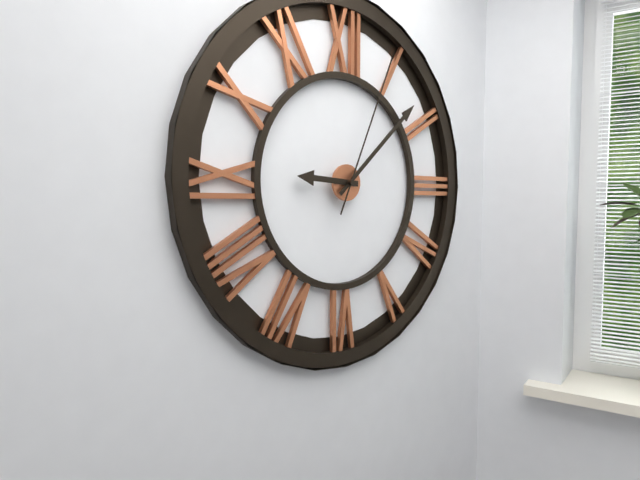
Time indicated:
9h08m04s
